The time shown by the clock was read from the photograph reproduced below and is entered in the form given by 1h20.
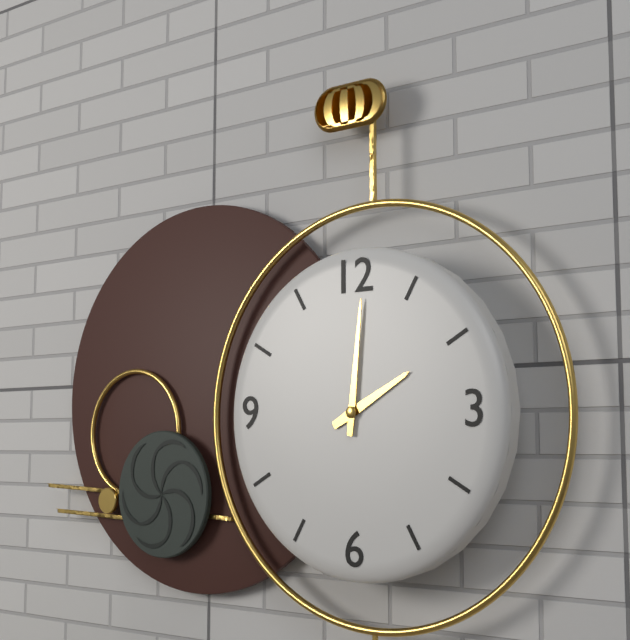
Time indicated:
2h01
